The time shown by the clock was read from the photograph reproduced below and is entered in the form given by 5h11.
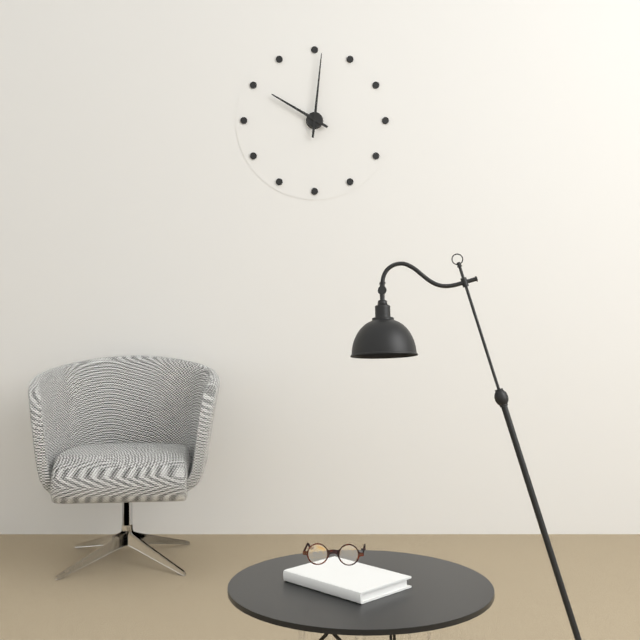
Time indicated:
10h01
